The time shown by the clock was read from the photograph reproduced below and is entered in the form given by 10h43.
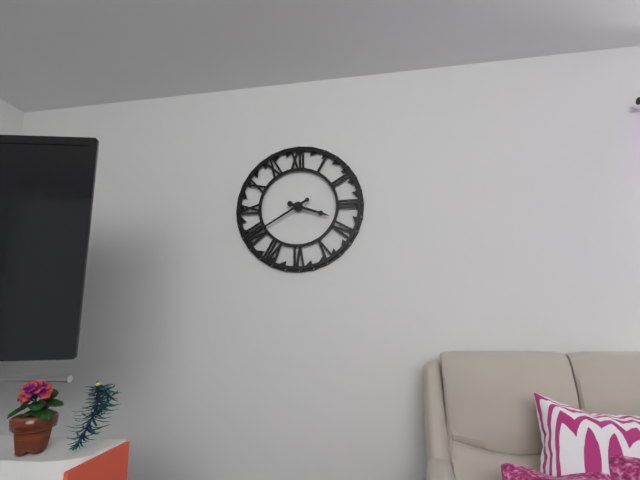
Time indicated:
3h40
